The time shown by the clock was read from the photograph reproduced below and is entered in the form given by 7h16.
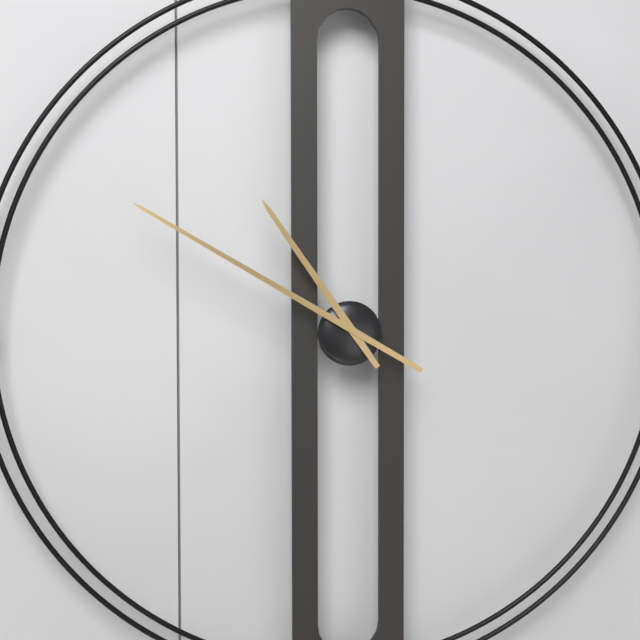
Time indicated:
10h50
